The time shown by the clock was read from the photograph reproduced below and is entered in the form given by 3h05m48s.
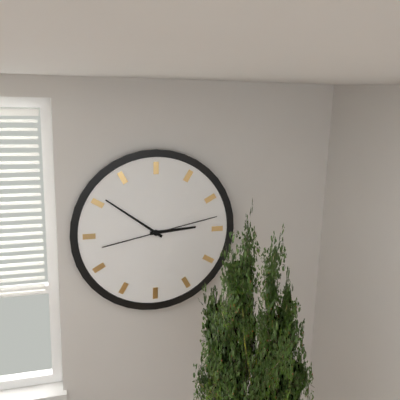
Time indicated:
2h51m13s
